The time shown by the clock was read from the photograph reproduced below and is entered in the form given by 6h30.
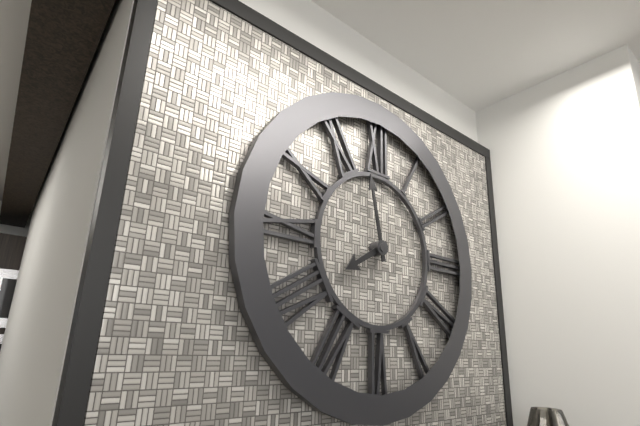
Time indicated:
7h58
